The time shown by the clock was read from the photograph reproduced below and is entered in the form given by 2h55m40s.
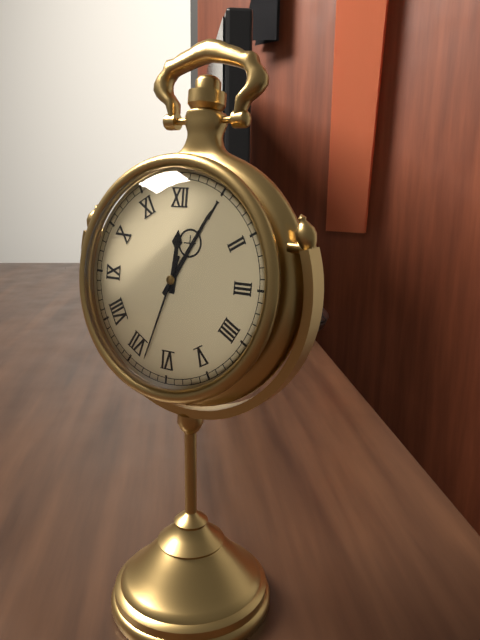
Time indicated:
12h05m33s
